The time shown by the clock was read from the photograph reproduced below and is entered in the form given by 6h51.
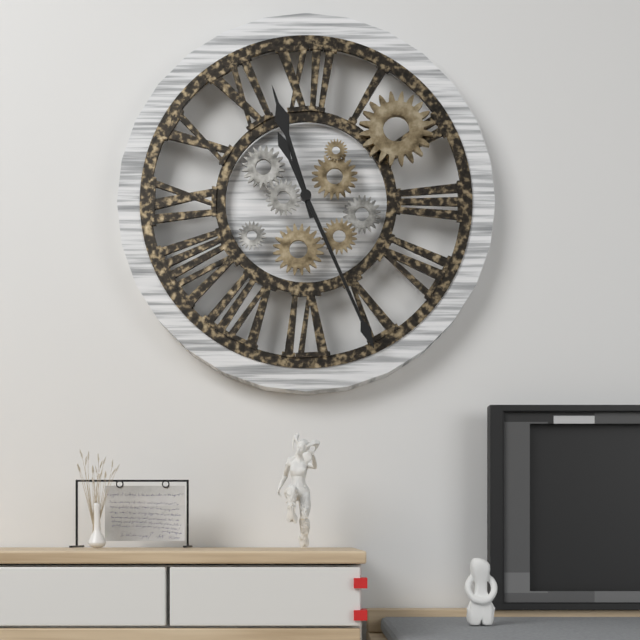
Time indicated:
11h26
